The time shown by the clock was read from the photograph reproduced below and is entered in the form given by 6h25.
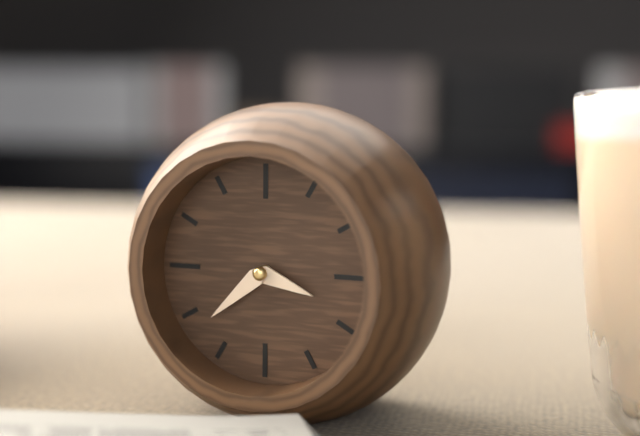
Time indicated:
3h38
